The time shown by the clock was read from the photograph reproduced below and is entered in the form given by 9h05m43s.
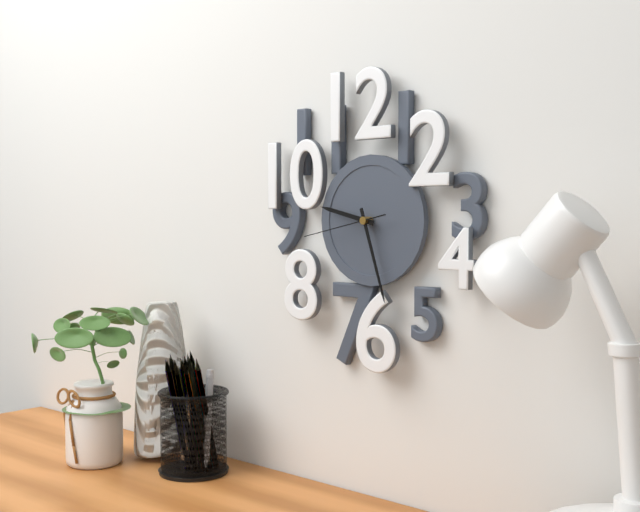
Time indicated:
9h27m43s
